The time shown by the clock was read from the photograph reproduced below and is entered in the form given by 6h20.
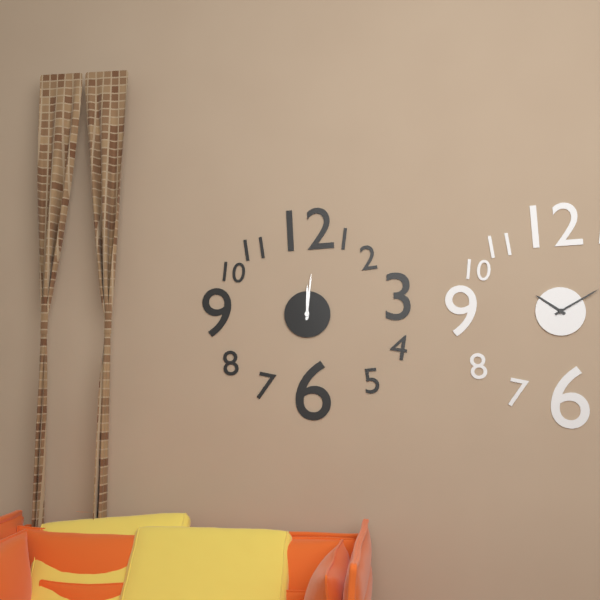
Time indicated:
12h01
